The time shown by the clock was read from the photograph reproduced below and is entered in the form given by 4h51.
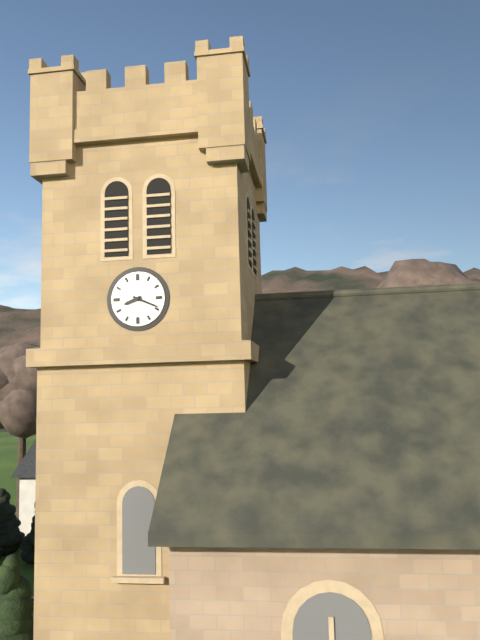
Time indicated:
8h19
